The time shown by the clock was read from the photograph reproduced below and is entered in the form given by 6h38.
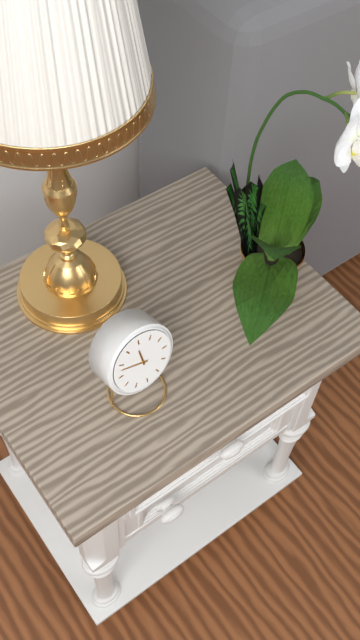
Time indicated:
11h48
